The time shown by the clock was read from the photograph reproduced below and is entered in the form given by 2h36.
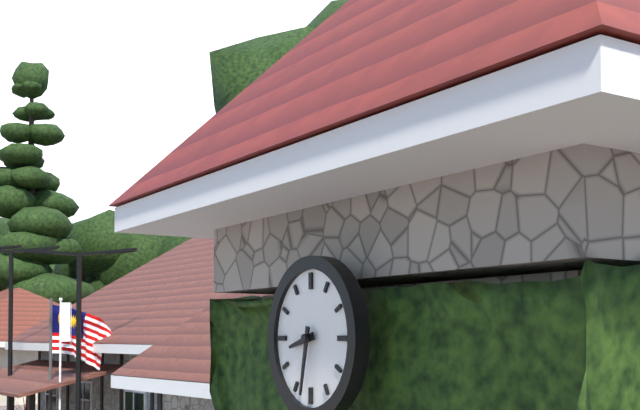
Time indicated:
8h32
